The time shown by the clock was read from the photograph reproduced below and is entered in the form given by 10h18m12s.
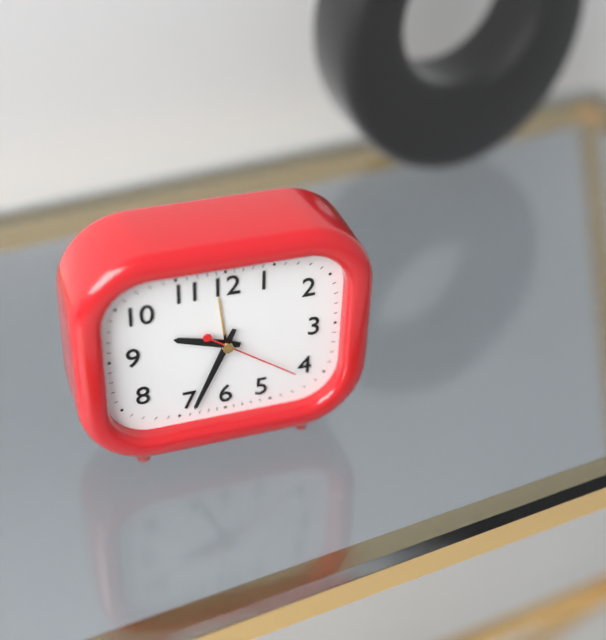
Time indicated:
9h34m21s
